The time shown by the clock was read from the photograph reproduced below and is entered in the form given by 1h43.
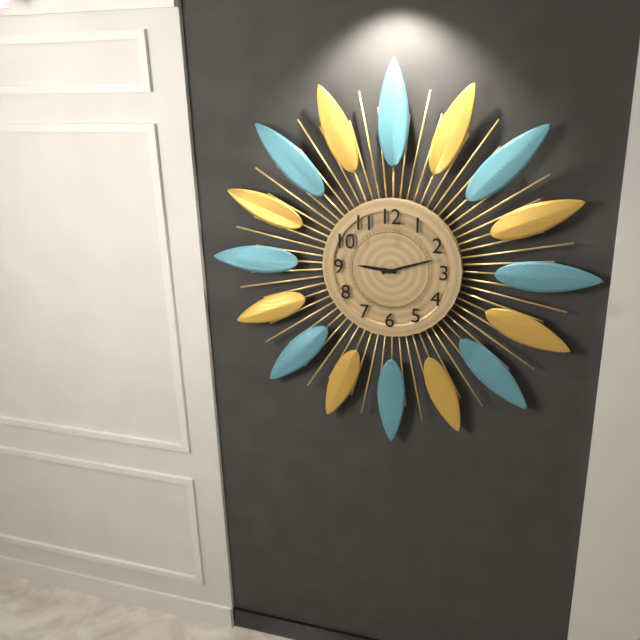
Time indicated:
9h12
